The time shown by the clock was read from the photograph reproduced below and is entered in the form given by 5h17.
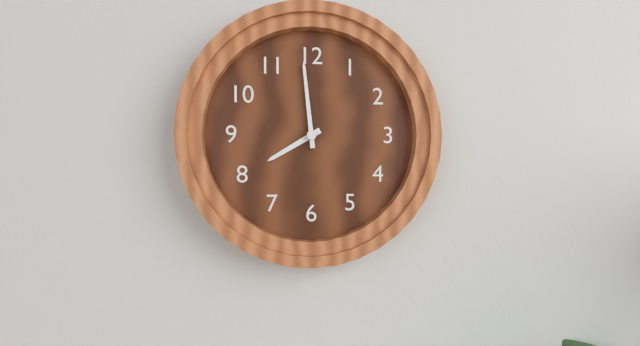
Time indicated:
7h59
